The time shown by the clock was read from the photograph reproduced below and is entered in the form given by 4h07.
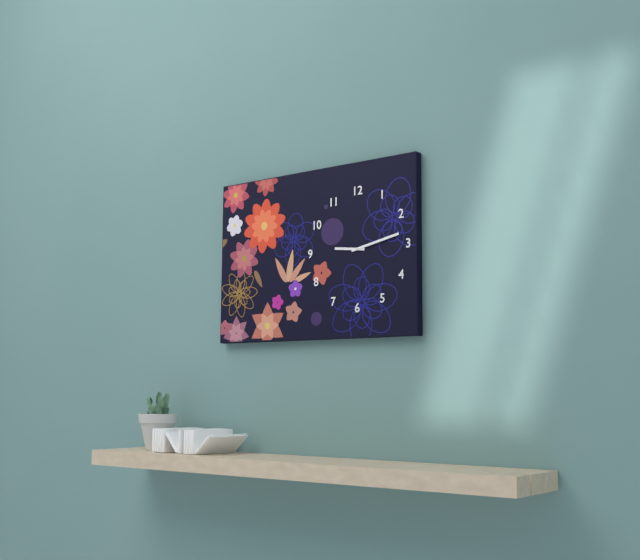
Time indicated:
9h13
